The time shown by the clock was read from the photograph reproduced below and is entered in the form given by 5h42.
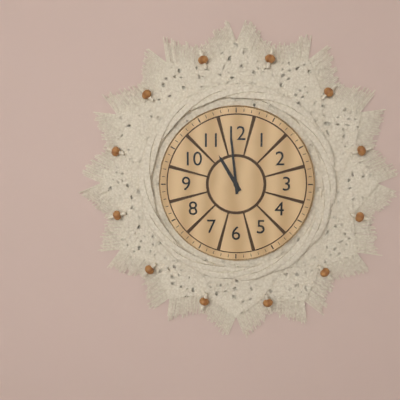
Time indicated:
10h59
